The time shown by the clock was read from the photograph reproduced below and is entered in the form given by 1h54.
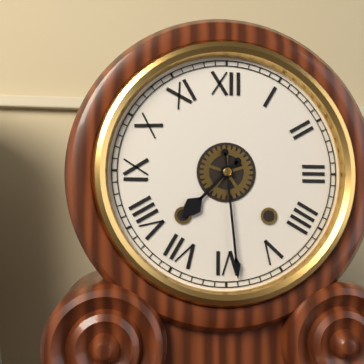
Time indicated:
7h29
